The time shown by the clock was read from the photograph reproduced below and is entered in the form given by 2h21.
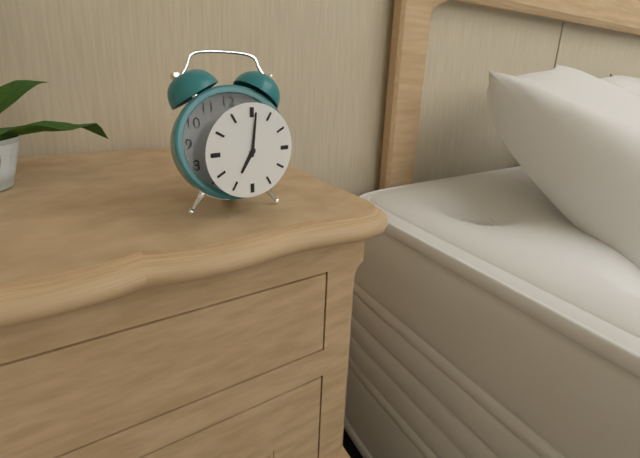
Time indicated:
7h01
